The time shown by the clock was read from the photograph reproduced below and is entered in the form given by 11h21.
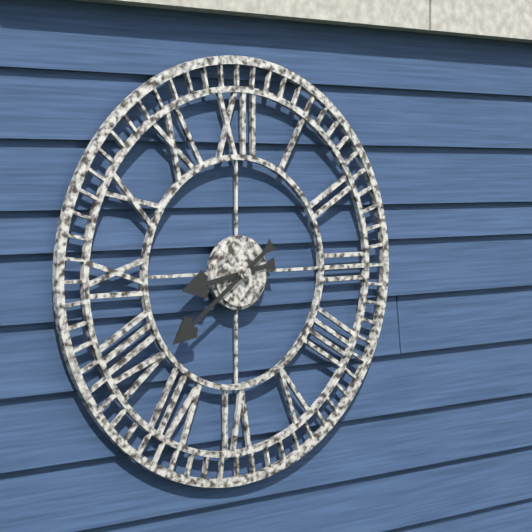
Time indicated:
8h39
